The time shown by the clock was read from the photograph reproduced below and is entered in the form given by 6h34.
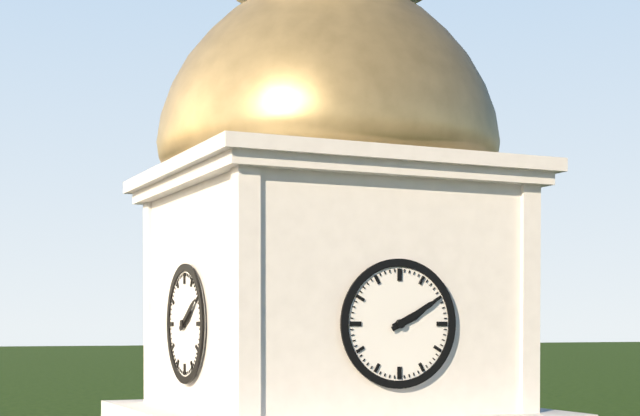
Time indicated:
2h10
